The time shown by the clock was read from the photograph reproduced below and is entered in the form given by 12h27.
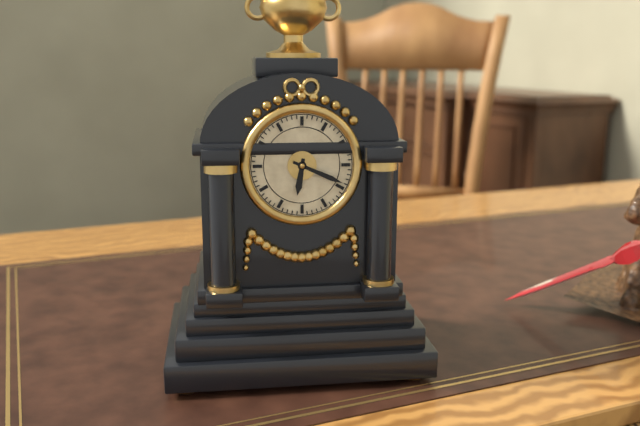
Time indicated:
6h19
